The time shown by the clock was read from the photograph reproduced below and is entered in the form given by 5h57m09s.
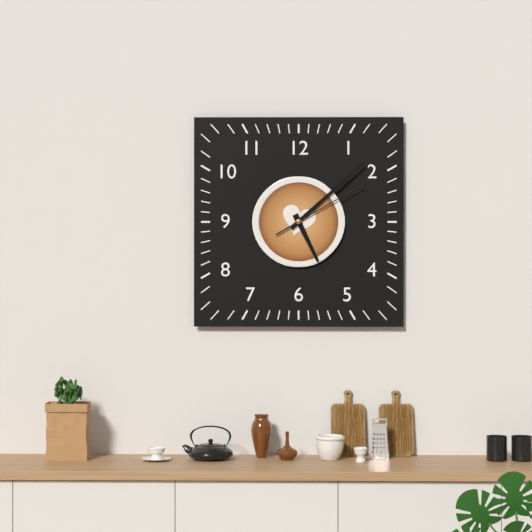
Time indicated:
5h08m10s
